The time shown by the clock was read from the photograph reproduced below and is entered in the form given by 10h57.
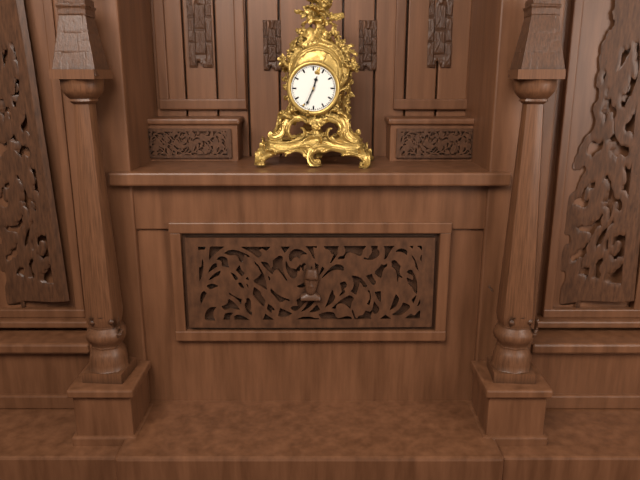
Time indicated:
12h34
